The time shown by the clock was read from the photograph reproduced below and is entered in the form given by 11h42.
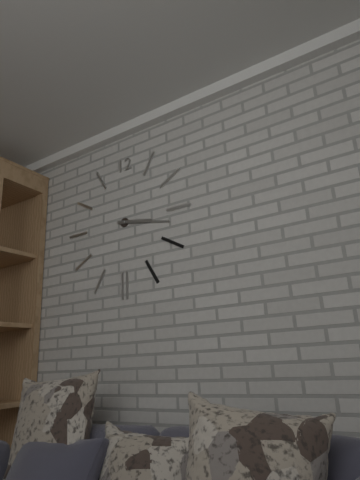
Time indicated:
3h17
